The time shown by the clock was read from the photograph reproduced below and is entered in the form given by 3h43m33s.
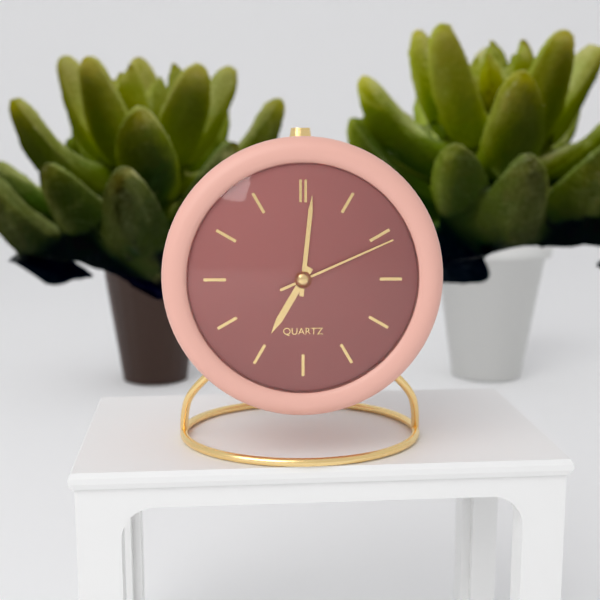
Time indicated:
7h01m11s
